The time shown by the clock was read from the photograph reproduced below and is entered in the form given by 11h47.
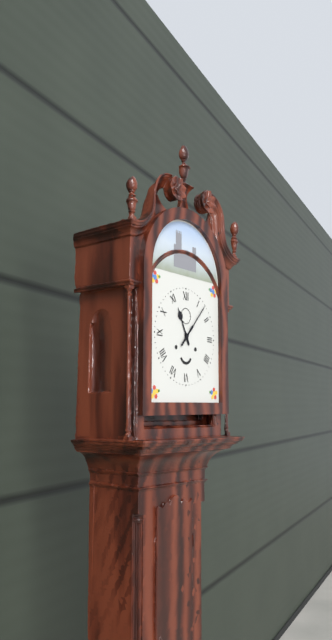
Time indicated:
11h07
